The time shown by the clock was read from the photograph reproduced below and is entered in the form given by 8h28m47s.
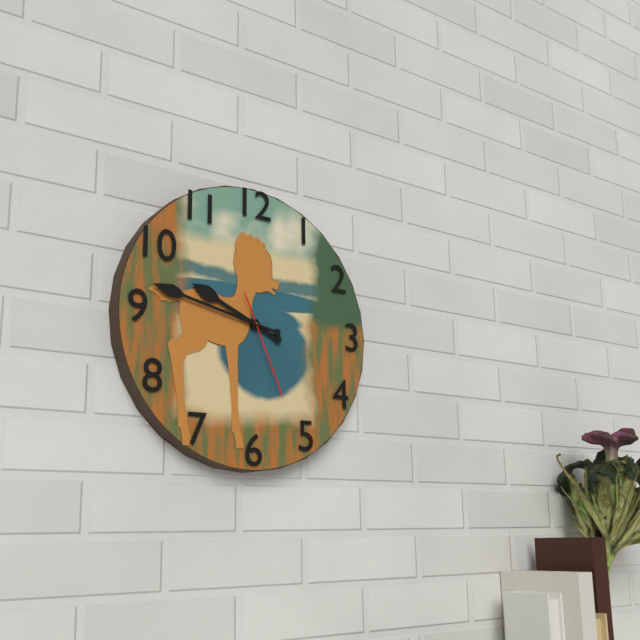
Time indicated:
9h47m26s
